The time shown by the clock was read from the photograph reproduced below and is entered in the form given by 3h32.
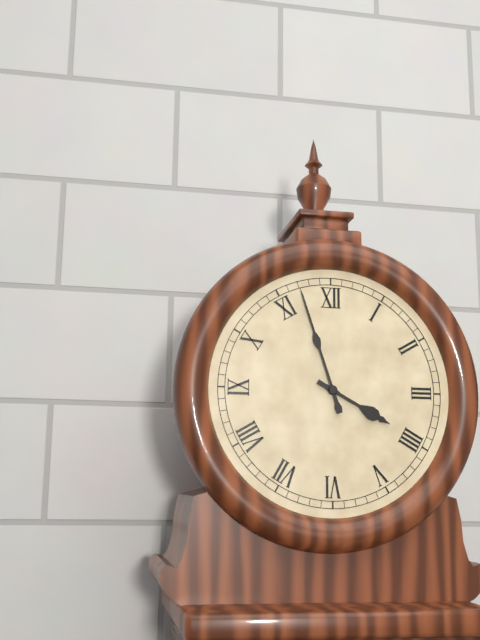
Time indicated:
3h57
